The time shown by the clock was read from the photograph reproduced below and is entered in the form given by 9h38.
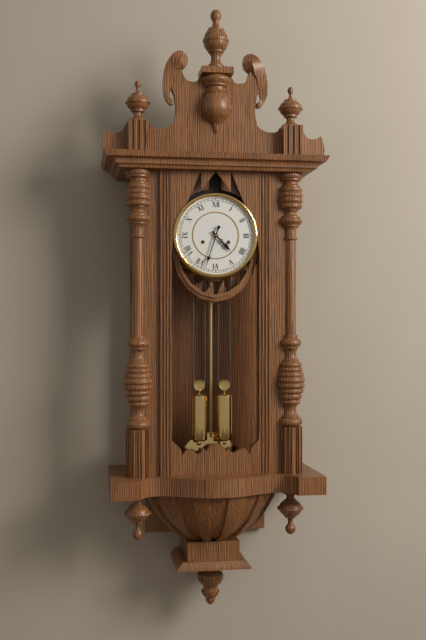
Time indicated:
4h33
